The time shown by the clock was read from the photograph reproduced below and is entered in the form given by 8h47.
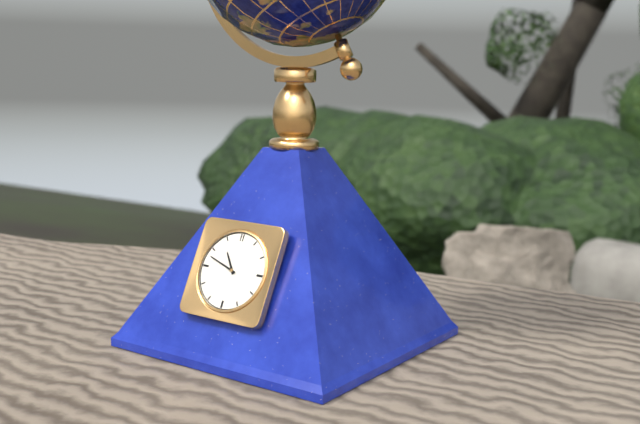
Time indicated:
10h48
